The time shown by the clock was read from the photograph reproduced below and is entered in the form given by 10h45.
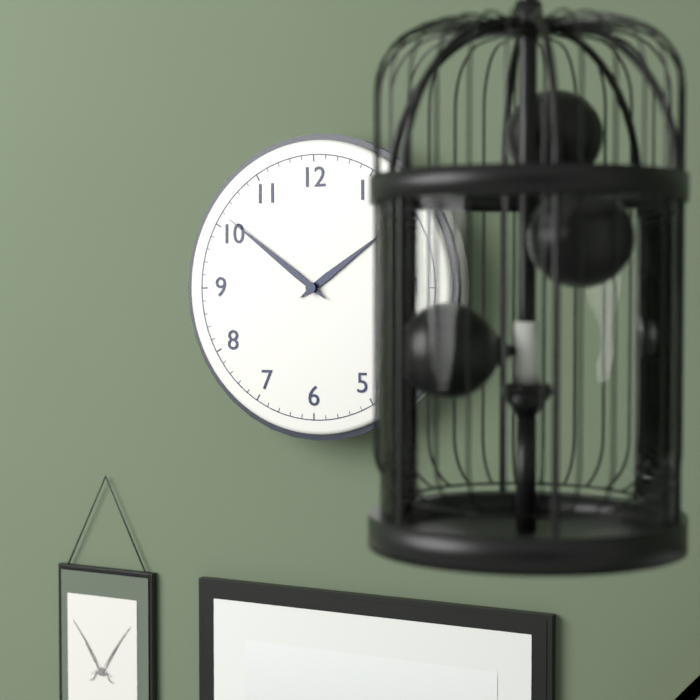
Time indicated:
1h51
